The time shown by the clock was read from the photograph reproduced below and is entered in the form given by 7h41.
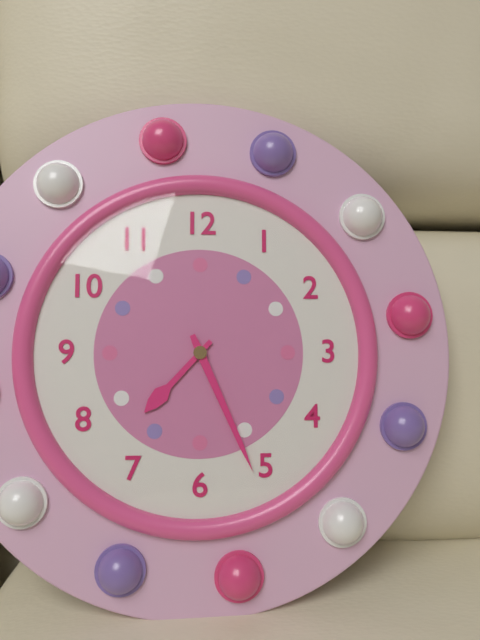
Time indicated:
7h26
